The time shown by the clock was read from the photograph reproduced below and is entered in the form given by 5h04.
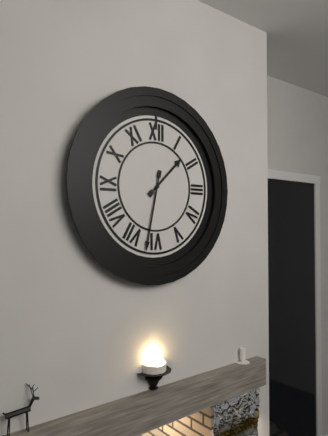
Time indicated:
1h32
